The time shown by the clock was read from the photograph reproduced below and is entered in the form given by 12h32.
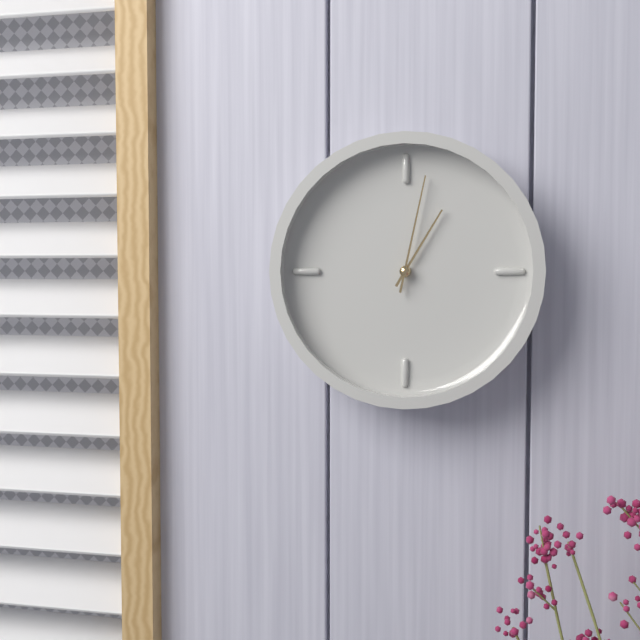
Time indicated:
1h02
